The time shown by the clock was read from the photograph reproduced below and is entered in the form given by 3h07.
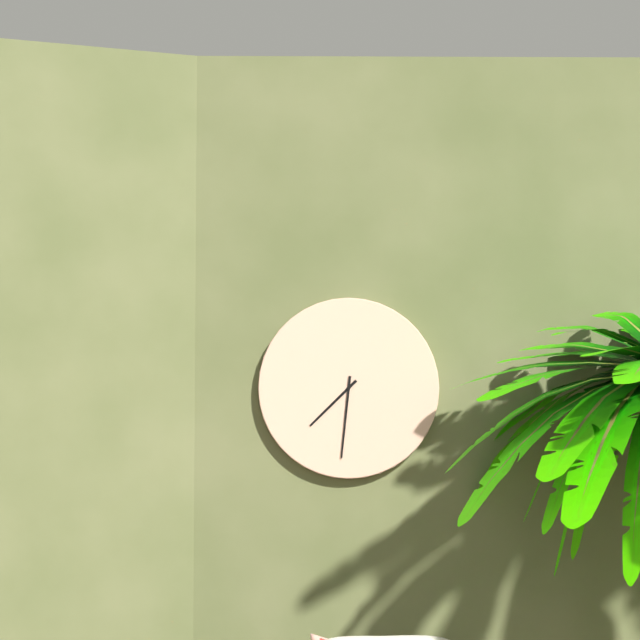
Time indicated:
7h31
